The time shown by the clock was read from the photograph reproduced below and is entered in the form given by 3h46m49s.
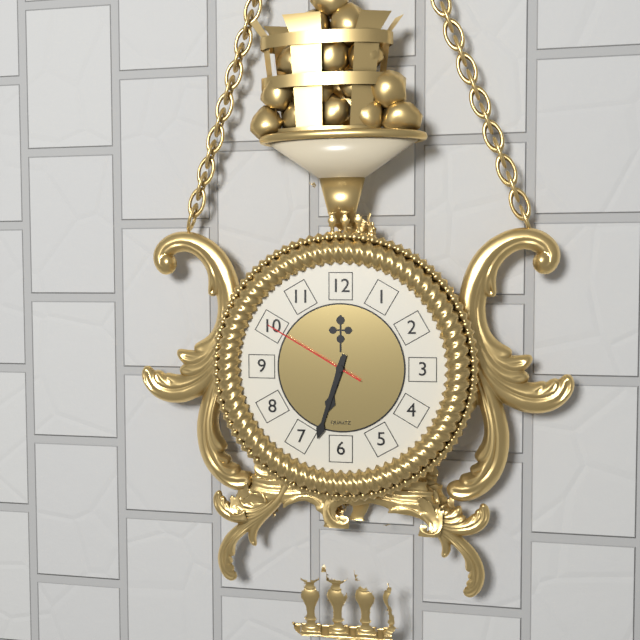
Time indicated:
6h33m50s
